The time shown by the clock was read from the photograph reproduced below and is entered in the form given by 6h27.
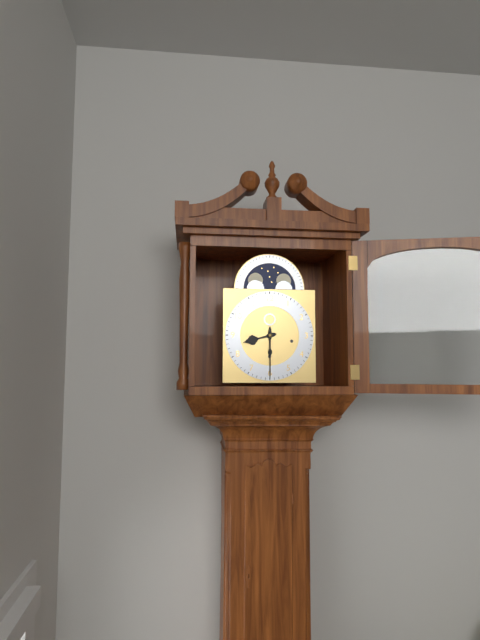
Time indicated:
8h30
